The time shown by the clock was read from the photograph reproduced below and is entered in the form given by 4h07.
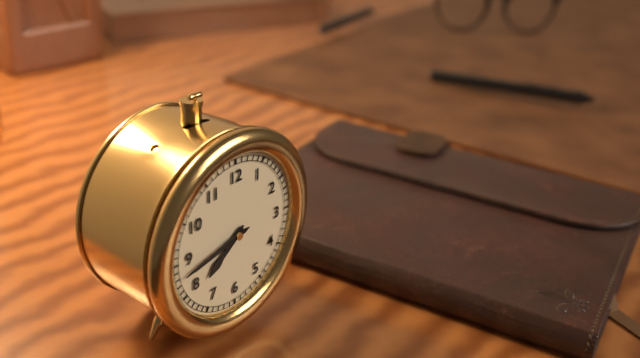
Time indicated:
7h43
